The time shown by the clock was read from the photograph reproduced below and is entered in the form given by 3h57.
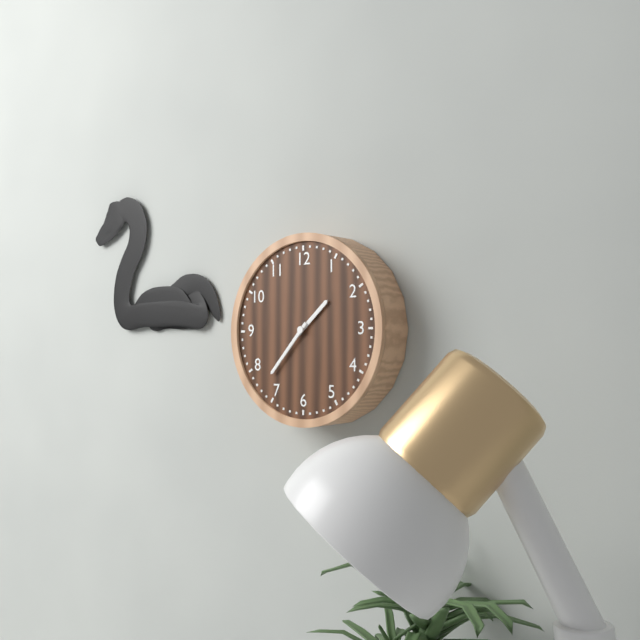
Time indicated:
1h37
